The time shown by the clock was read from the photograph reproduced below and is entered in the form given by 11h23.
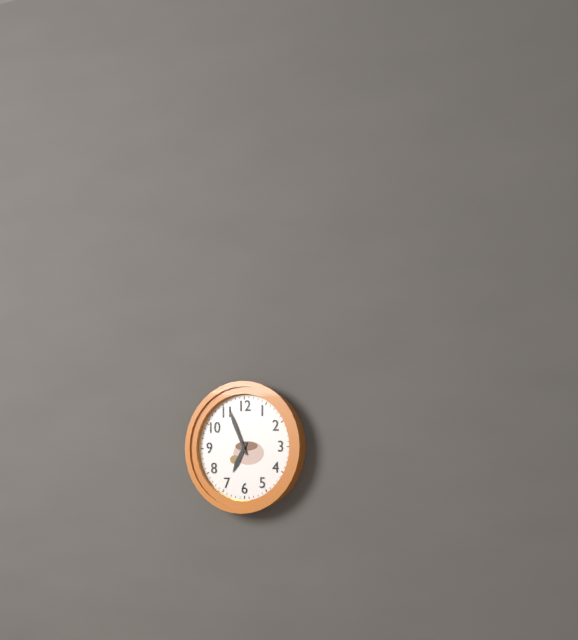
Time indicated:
6h56
